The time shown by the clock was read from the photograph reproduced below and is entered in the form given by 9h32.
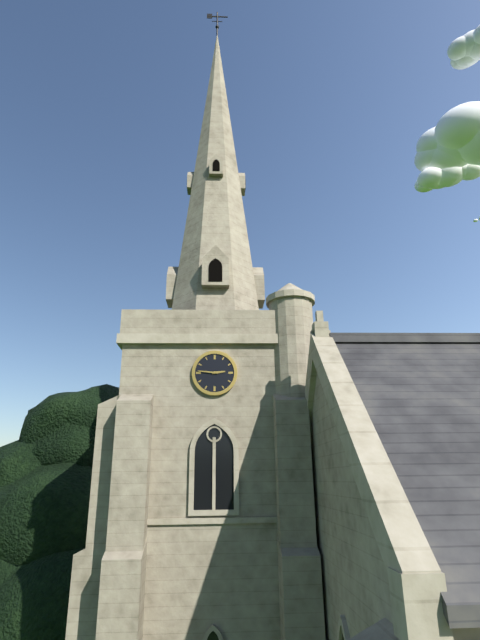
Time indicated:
2h46
